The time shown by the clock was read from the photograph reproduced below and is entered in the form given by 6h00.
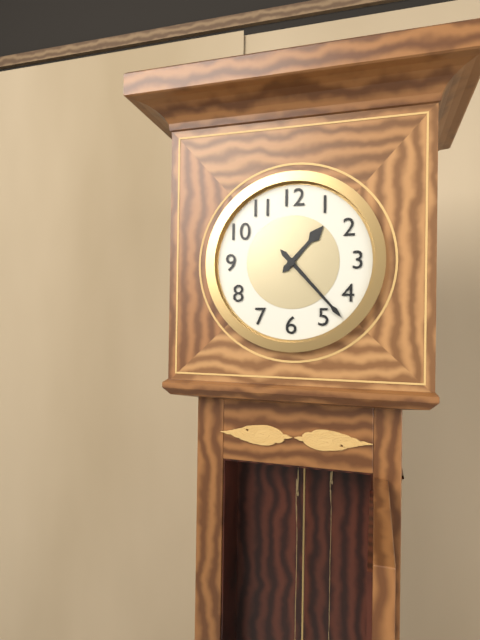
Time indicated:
1h23
